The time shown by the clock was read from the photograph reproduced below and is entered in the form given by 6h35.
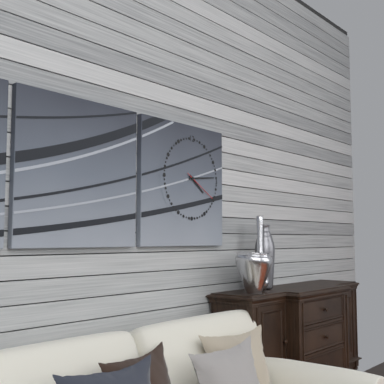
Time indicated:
4h14
